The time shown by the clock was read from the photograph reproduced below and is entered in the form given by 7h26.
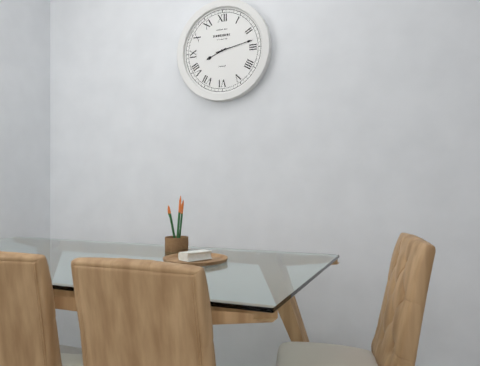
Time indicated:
8h13
